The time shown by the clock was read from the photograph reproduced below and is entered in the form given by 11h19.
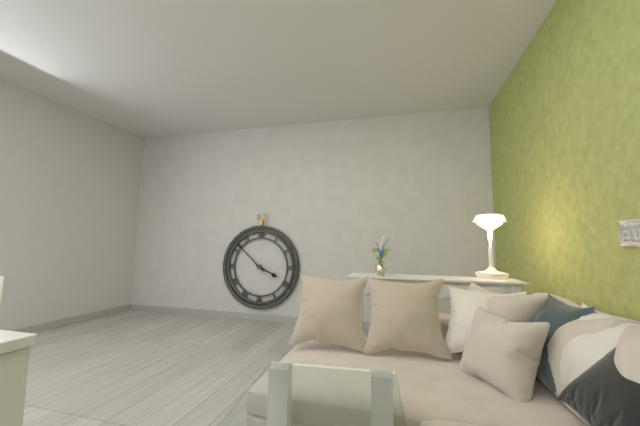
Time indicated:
3h52
